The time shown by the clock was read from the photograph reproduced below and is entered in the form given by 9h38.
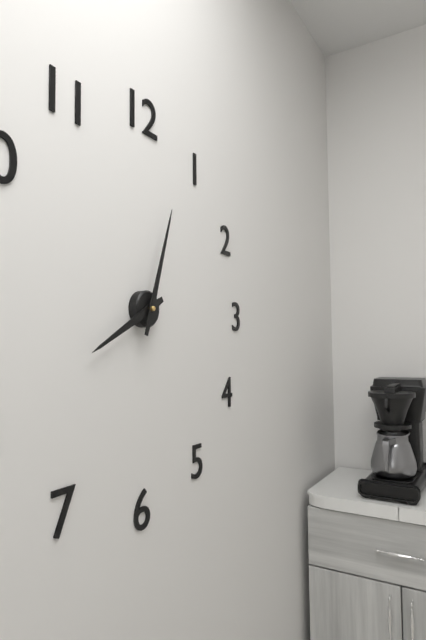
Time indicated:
8h03
